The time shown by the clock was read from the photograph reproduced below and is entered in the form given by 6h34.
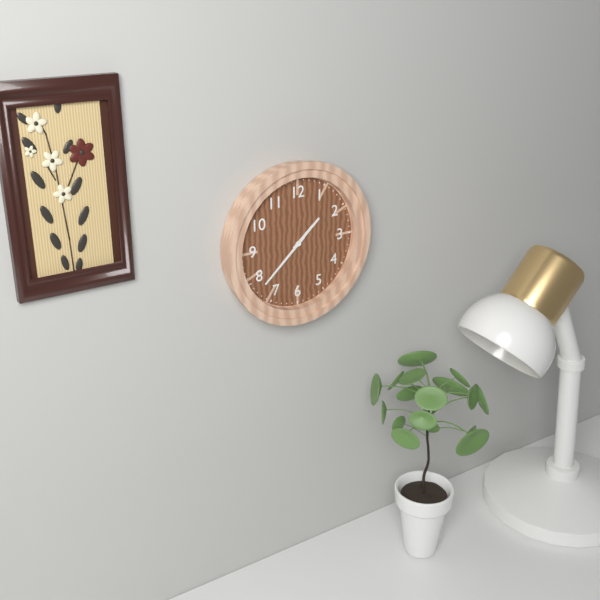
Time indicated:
1h38
